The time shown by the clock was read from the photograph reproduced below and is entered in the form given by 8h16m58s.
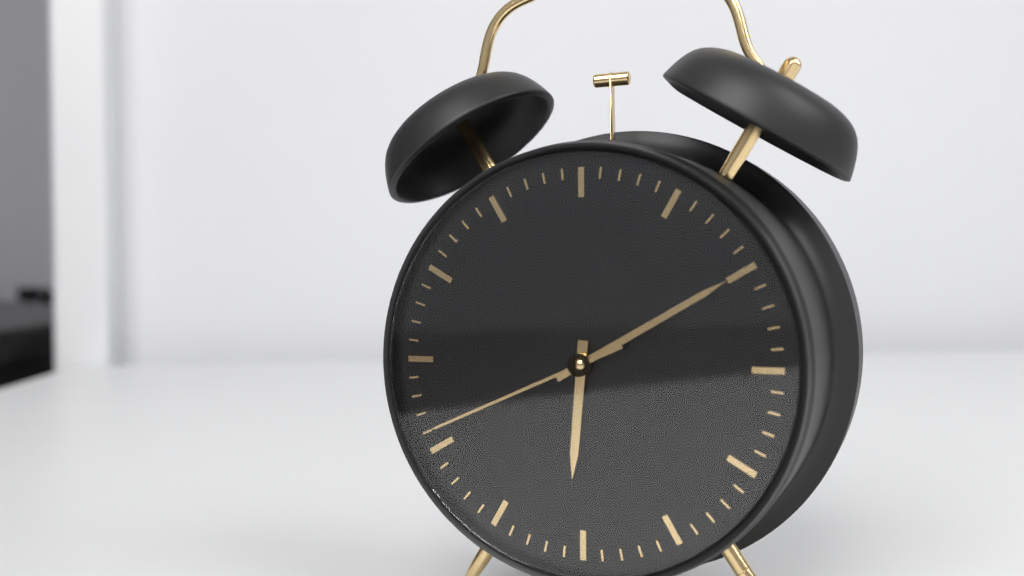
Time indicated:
6h10m41s
